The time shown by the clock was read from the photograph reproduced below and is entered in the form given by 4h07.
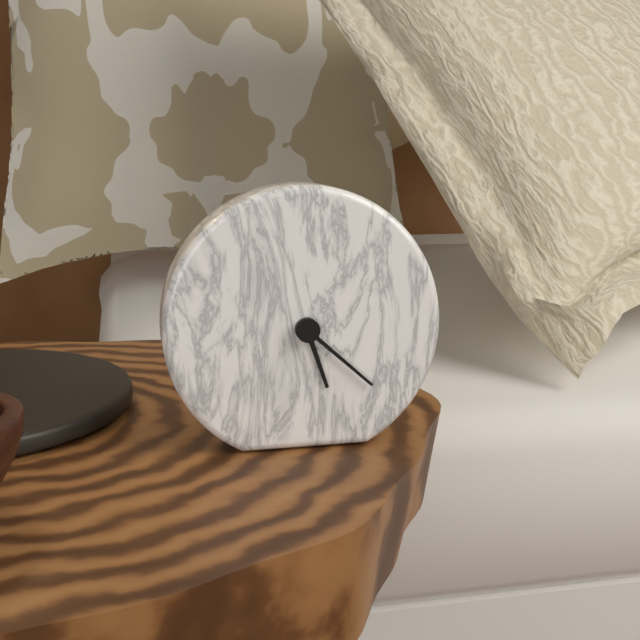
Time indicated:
5h22
